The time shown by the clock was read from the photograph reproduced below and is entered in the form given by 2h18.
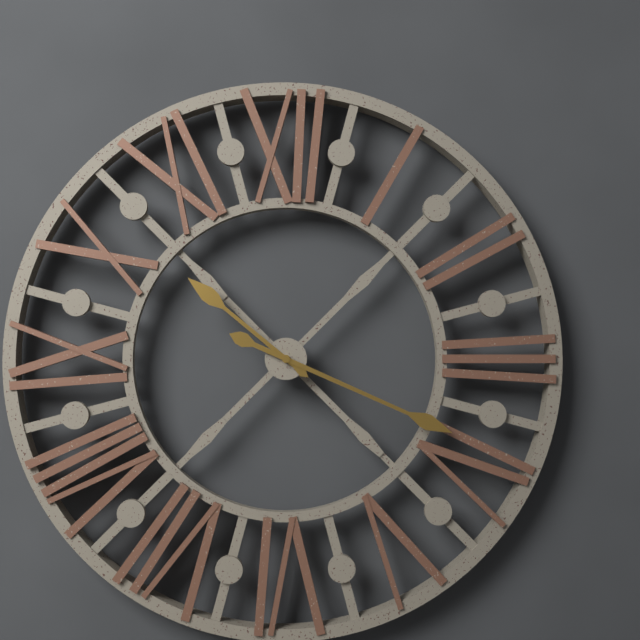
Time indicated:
10h19
